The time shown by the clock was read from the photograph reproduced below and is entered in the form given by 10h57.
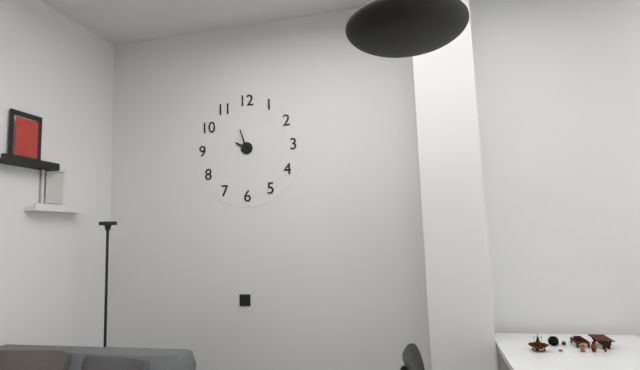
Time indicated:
9h57
